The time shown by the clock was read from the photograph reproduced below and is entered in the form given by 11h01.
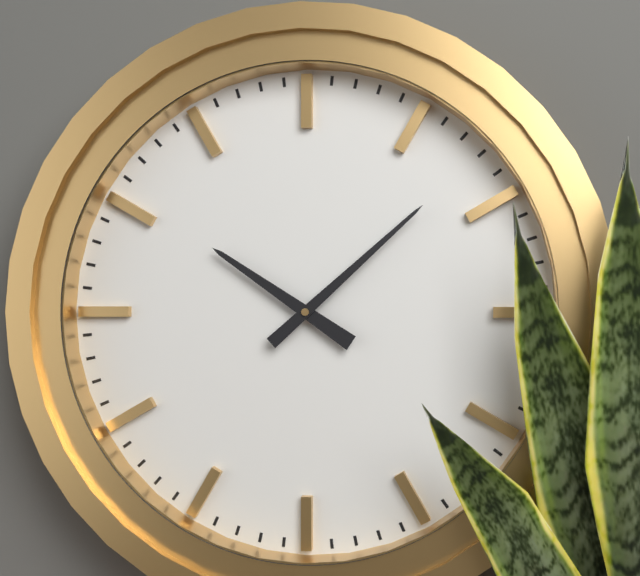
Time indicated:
10h08
